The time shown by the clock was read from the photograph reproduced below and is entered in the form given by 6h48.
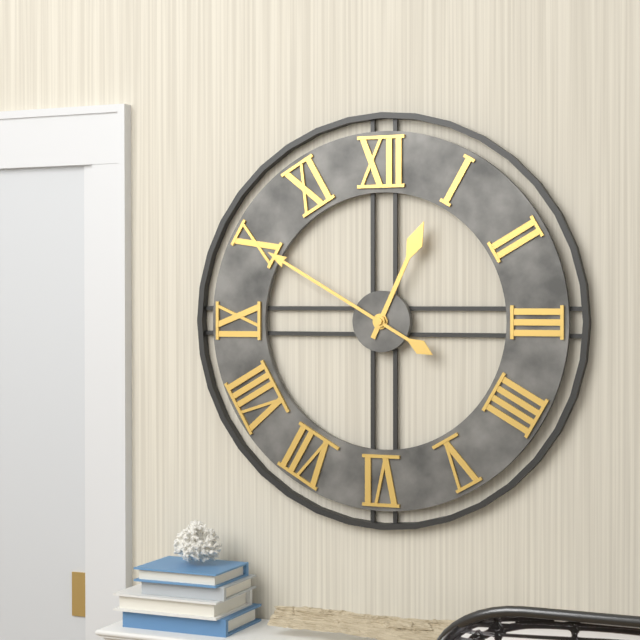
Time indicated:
12h50
